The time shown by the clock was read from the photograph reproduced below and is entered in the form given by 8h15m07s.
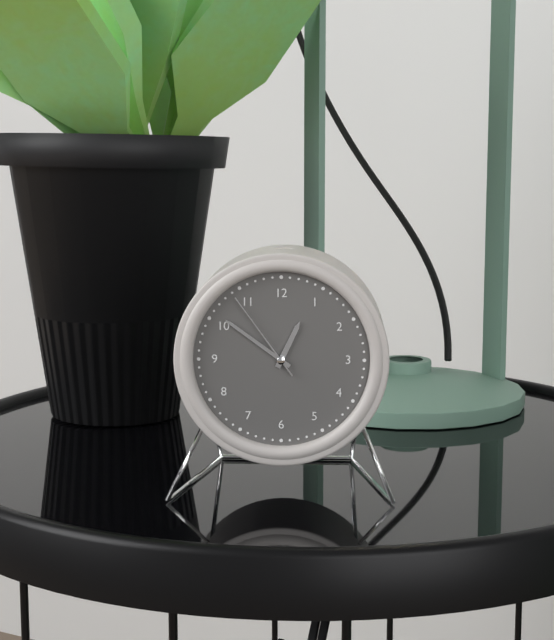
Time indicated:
12h51m54s
